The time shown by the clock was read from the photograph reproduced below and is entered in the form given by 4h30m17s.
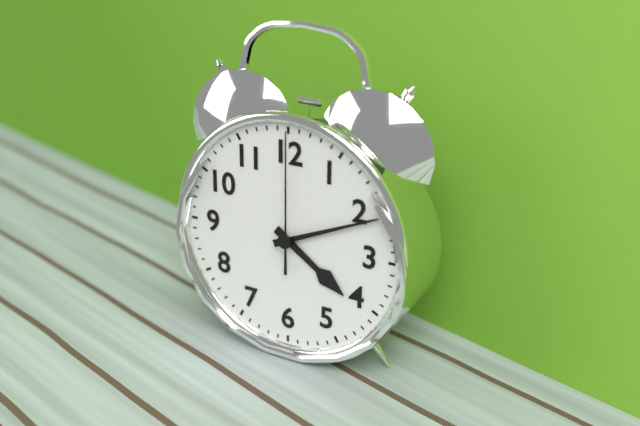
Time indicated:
4h11m00s
